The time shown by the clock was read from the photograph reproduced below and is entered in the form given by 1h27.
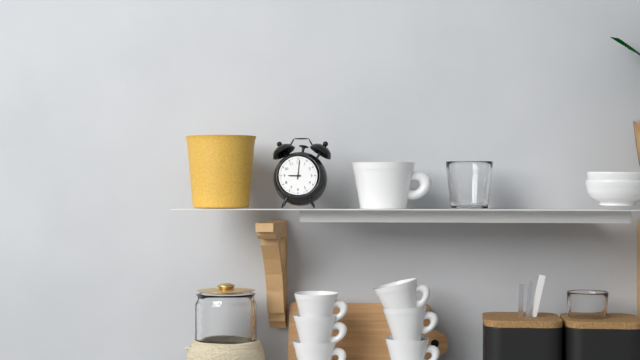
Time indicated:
9h01
